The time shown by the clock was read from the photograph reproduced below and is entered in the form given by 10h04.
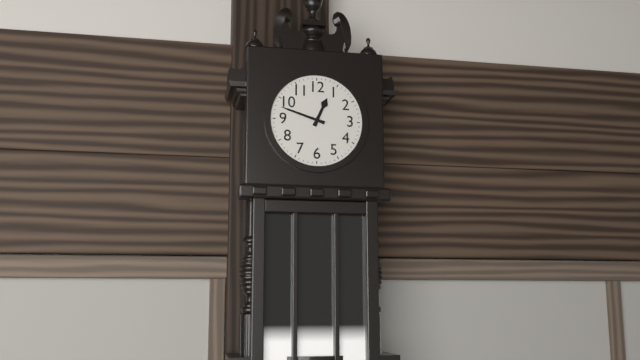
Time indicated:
12h48
